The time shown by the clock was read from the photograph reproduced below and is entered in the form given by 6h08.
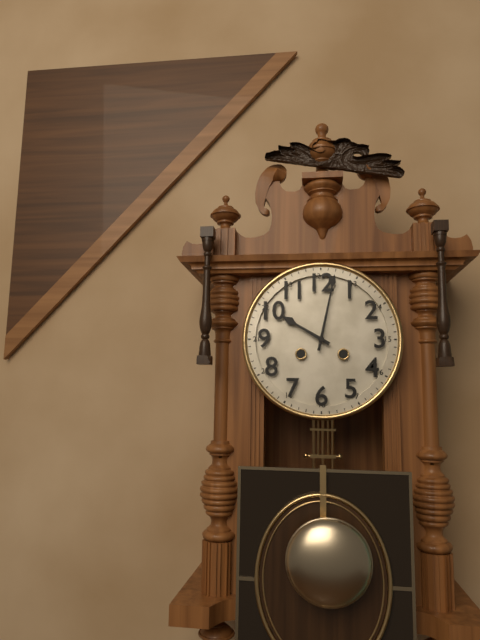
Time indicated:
10h02
